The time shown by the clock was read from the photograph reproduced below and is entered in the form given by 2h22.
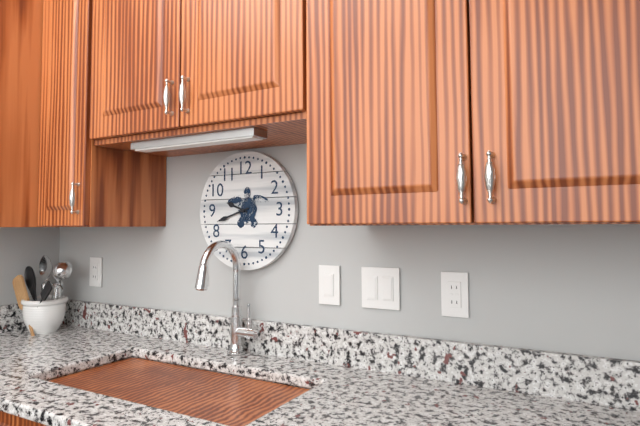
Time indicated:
9h42
